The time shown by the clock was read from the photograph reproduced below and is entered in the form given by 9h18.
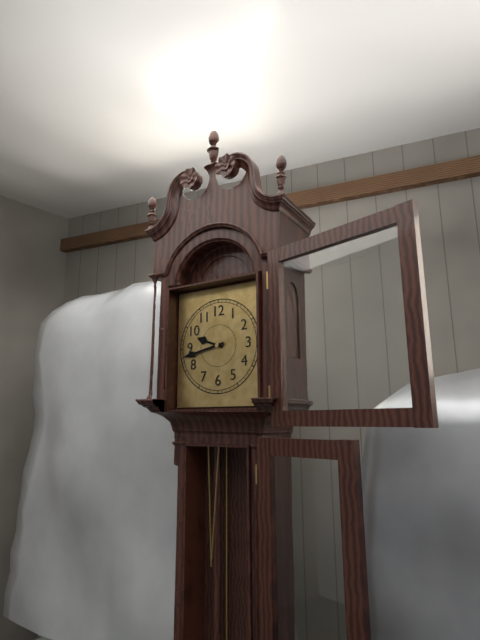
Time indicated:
9h43
